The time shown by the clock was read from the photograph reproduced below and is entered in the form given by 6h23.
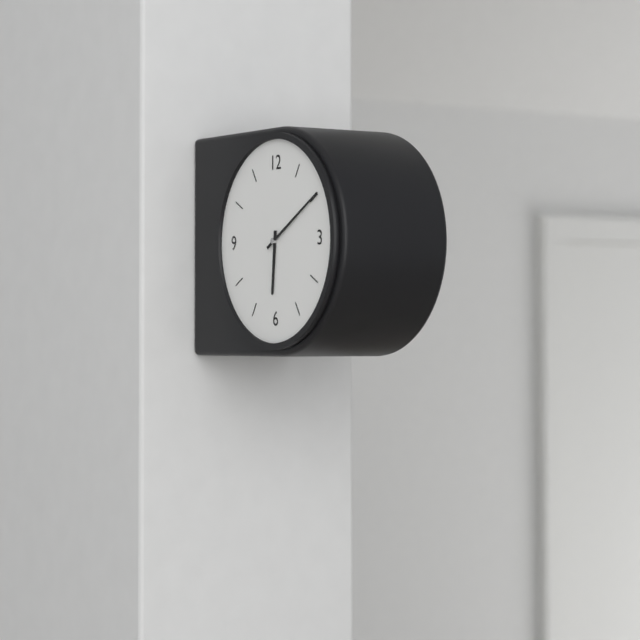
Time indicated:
6h10
